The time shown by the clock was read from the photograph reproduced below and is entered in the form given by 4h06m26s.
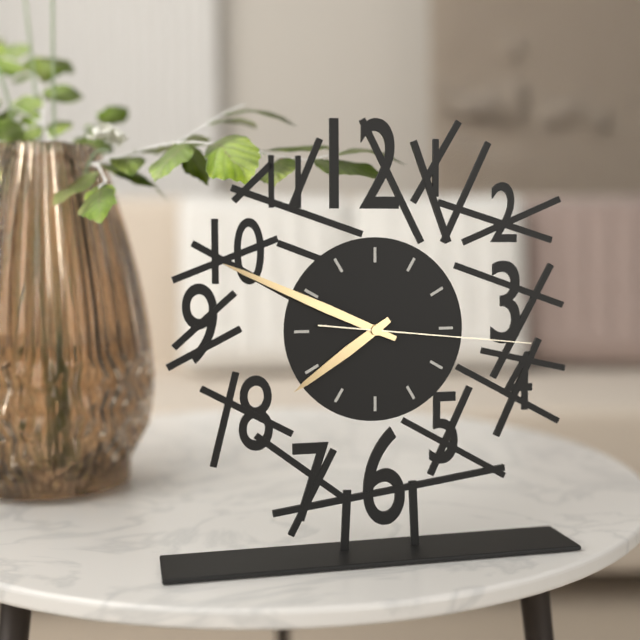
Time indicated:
7h49m16s
